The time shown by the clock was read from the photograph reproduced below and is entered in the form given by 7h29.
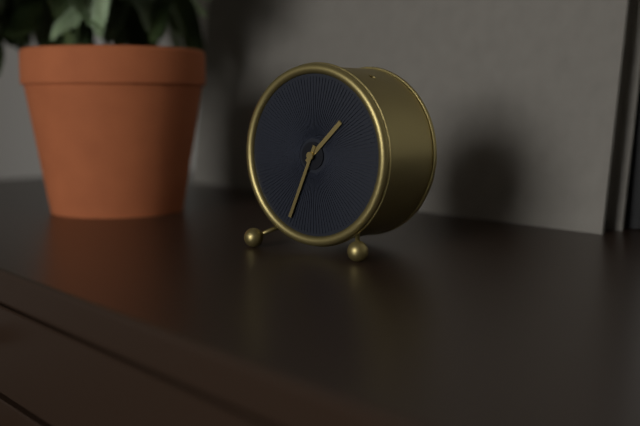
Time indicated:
1h34
